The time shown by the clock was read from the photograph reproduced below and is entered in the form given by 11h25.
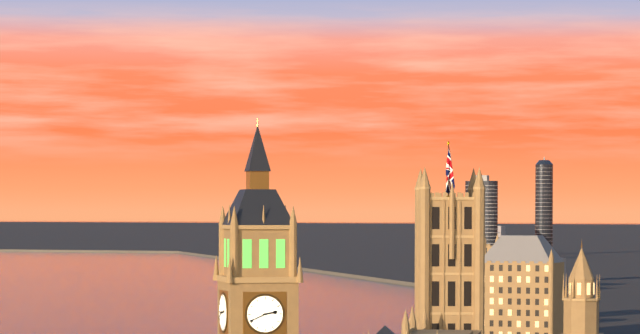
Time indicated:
2h41
